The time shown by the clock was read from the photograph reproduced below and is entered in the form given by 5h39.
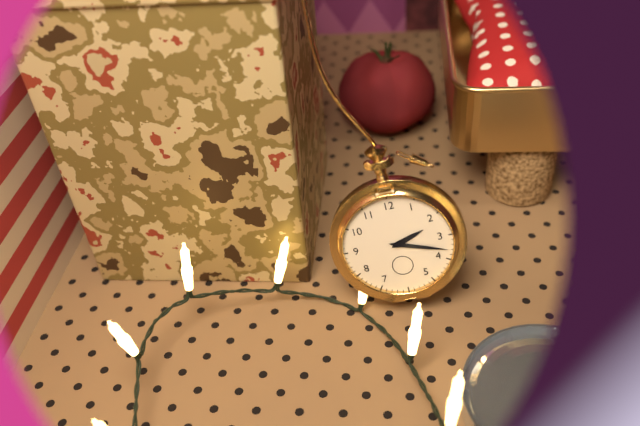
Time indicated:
2h18
